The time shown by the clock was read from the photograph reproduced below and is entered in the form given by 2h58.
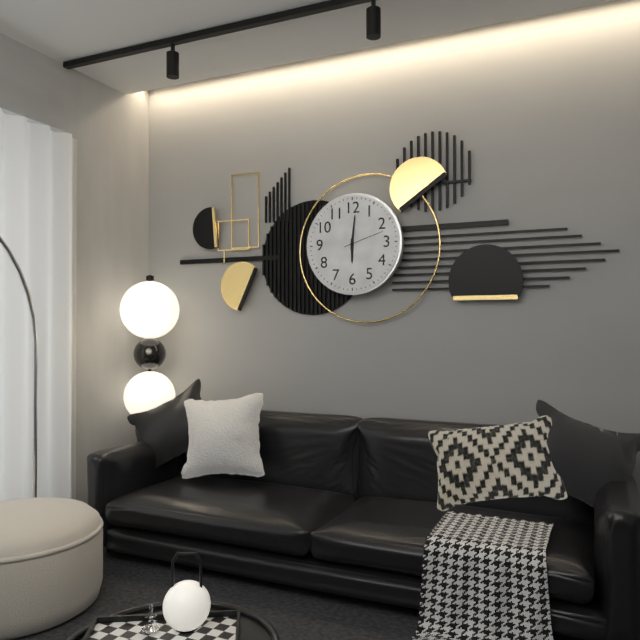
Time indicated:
6h01
